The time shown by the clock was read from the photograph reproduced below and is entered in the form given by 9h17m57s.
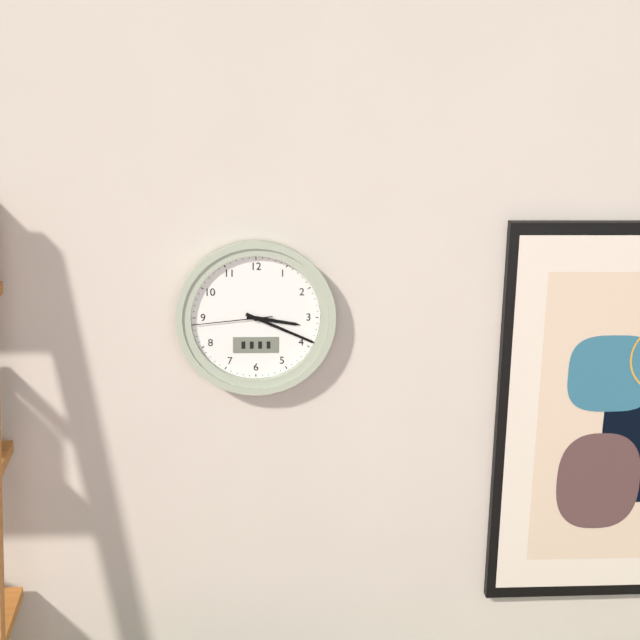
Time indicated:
3h19m44s
